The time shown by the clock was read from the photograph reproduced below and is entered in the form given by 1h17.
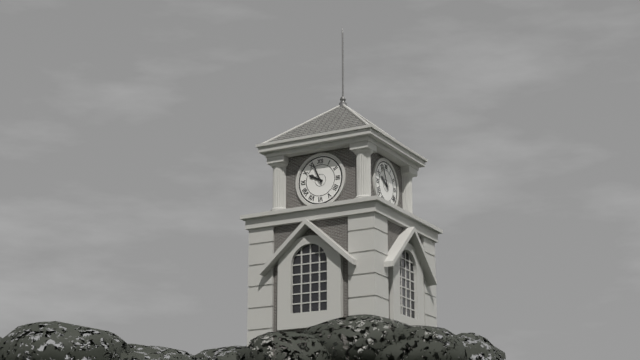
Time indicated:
9h56
